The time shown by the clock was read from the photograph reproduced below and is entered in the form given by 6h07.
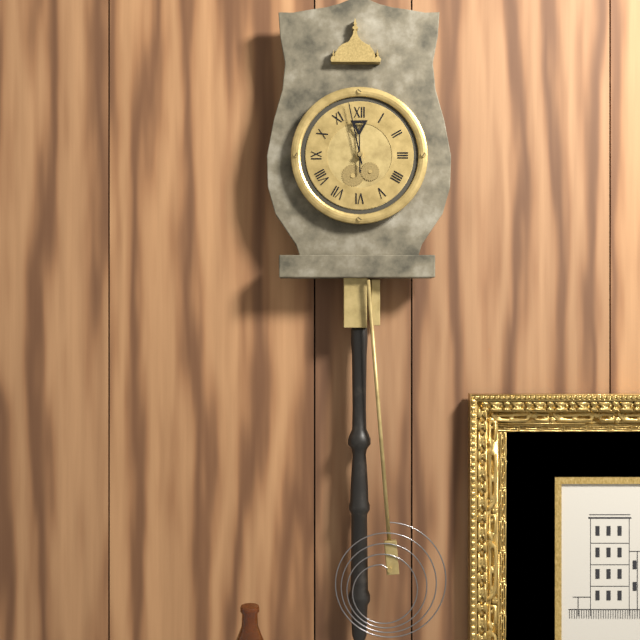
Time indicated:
11h58
